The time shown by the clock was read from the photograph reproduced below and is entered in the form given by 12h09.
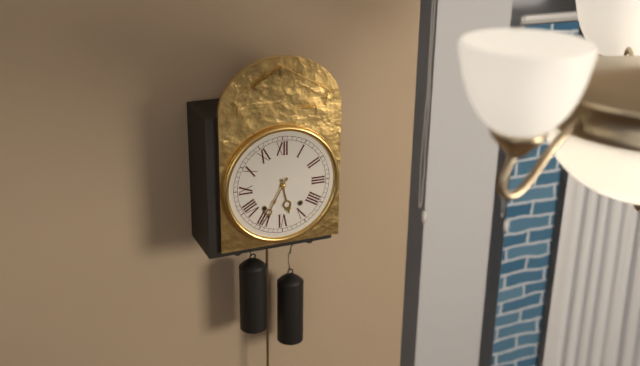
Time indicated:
5h35
